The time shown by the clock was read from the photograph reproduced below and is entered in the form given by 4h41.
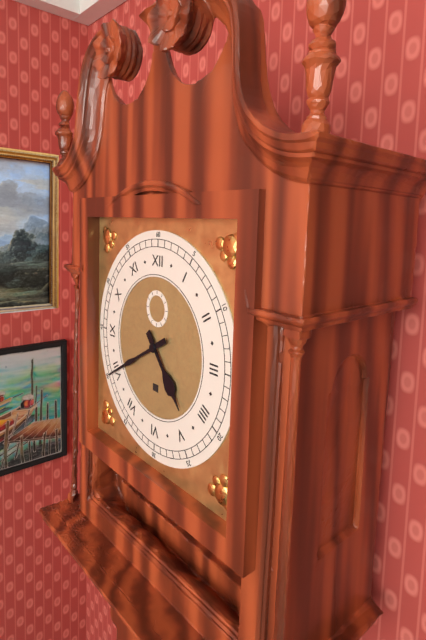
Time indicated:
4h40
